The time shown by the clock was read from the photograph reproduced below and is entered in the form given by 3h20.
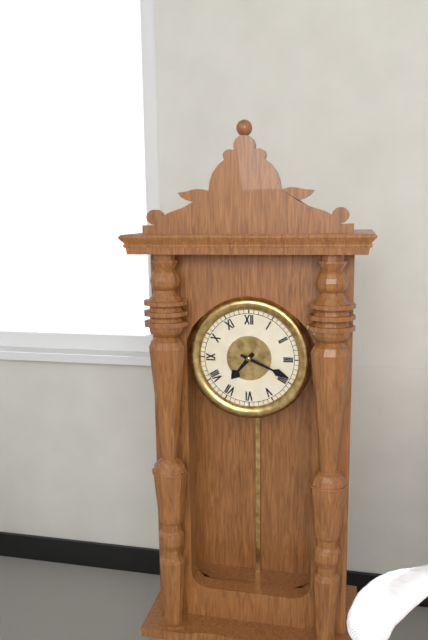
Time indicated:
7h19
